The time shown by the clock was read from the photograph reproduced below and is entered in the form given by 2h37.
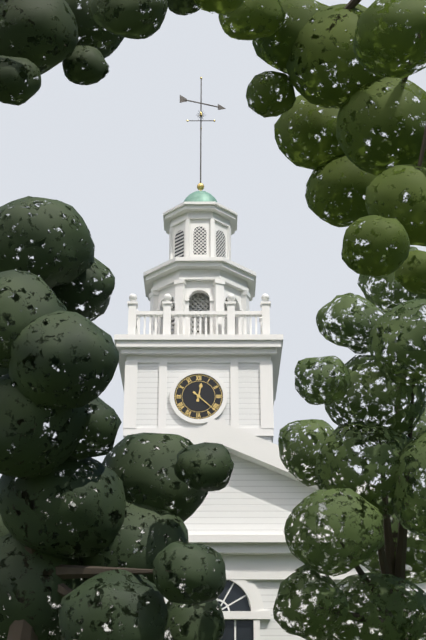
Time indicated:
12h22
